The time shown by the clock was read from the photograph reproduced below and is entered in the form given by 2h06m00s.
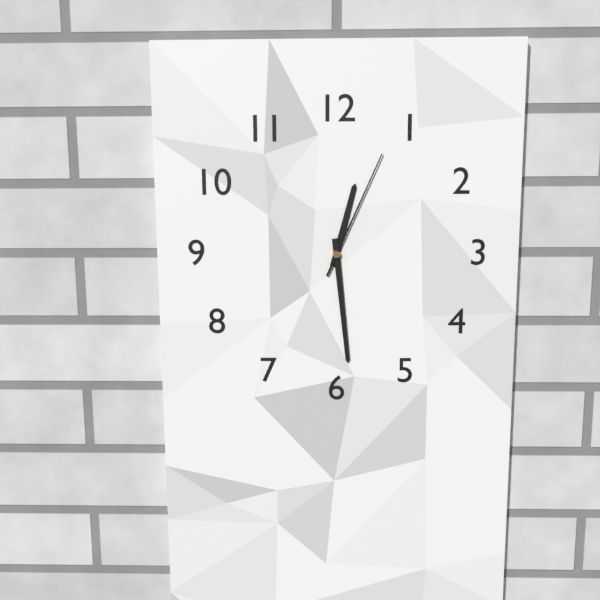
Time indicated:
12h29m04s
